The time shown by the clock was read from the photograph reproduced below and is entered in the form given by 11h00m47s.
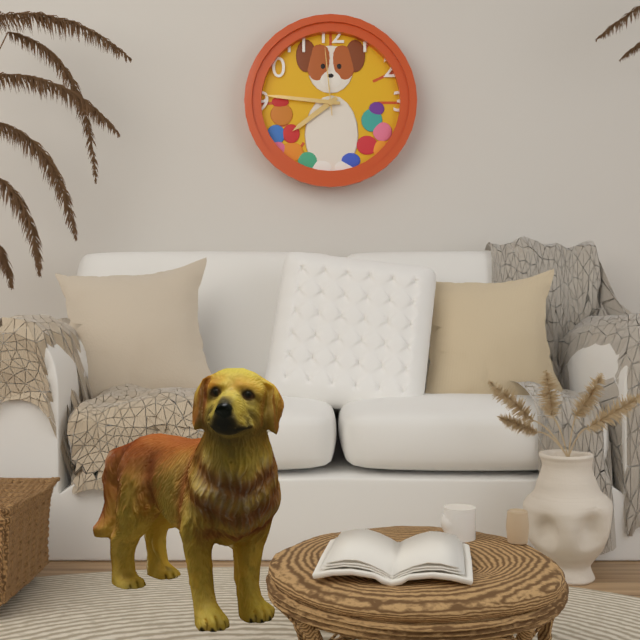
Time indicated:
7h46m59s
